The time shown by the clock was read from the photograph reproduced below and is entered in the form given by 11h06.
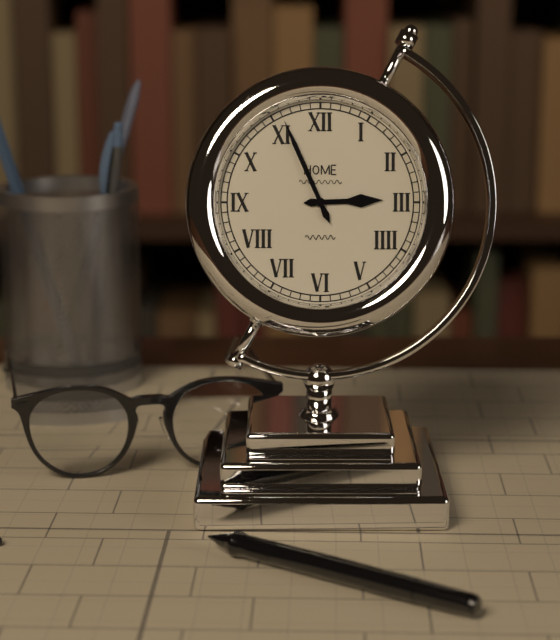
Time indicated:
2h56
